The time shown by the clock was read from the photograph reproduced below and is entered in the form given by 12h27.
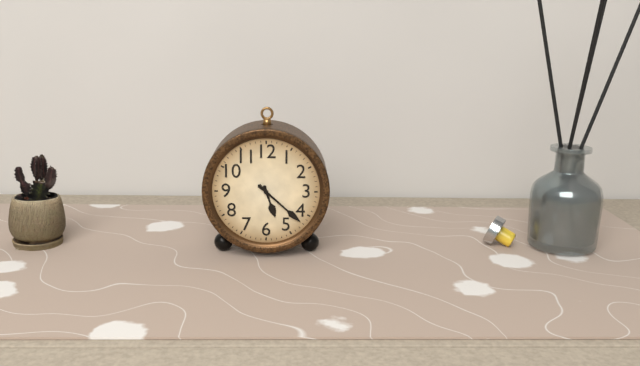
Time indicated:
5h22
